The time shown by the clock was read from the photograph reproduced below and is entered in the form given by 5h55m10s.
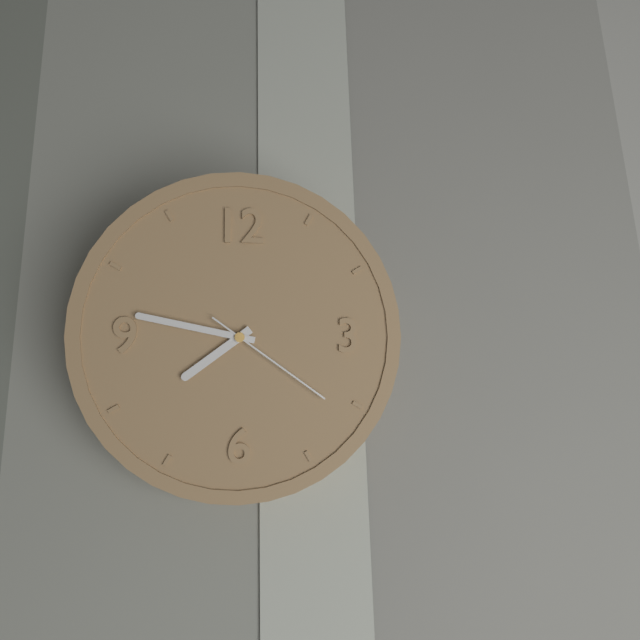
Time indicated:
7h47m21s
